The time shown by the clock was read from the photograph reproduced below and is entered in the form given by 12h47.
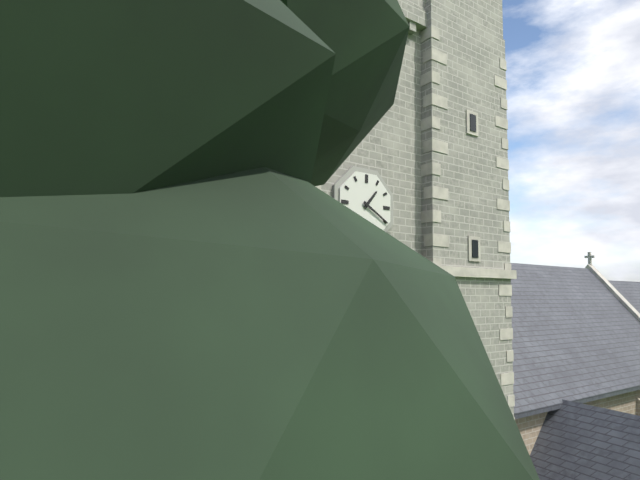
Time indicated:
1h20
